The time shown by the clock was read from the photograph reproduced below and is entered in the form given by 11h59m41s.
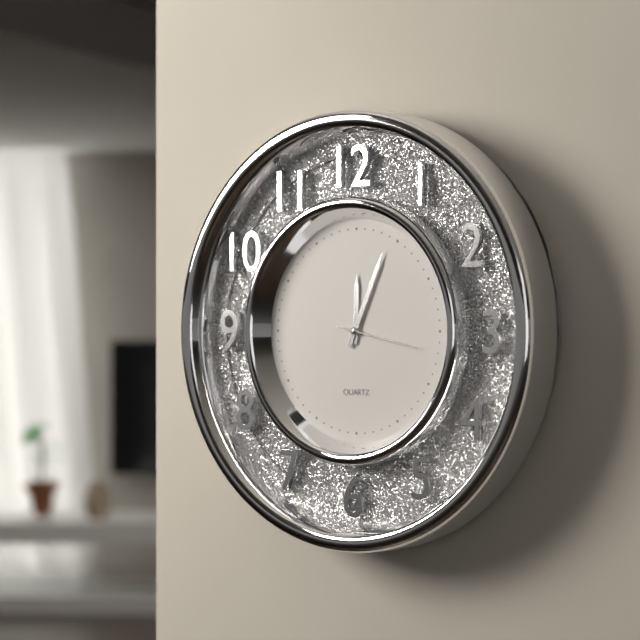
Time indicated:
12h04m17s
